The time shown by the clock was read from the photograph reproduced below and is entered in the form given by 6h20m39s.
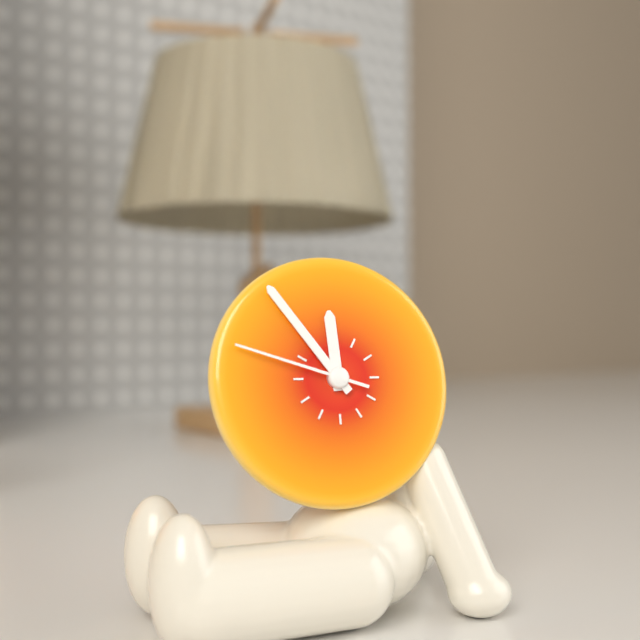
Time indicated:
11h54m48s
